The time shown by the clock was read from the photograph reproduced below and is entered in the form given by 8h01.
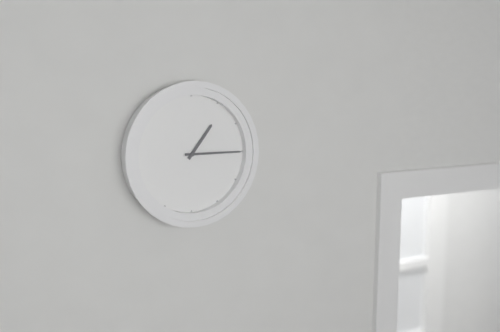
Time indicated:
1h15
